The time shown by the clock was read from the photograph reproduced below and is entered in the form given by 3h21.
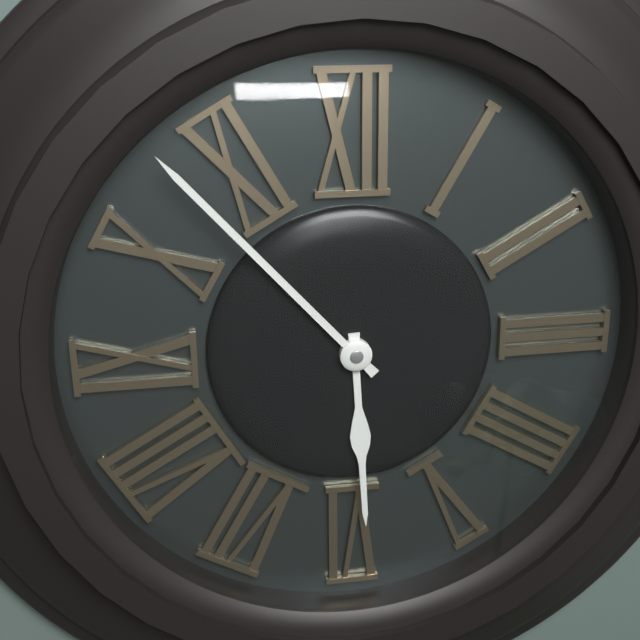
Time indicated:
5h53
